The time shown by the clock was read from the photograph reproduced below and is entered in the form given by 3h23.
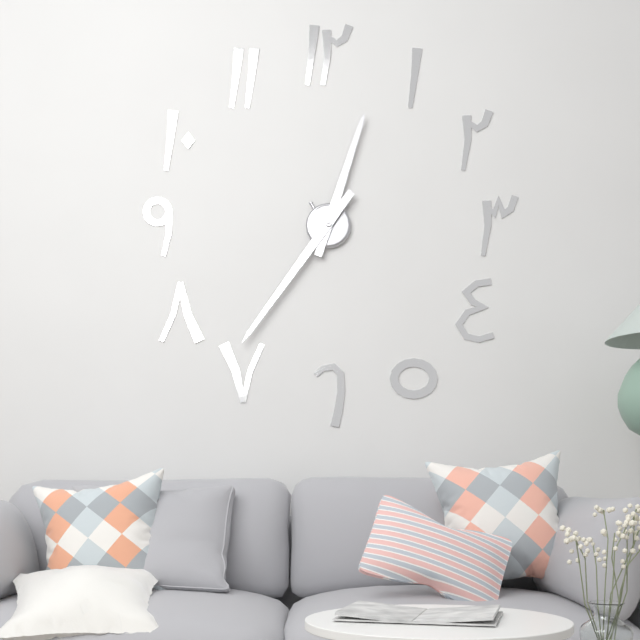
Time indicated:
12h36
